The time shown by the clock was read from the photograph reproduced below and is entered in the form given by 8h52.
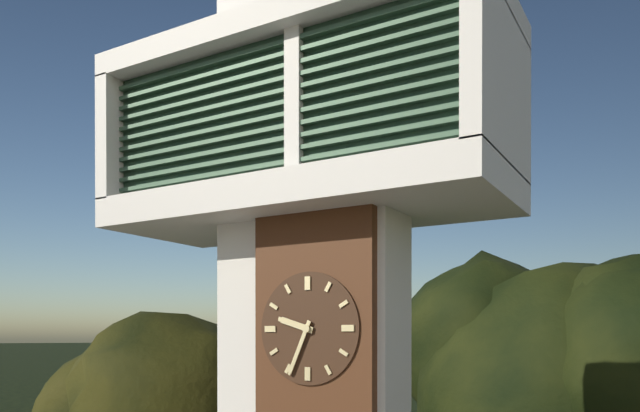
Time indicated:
9h34
